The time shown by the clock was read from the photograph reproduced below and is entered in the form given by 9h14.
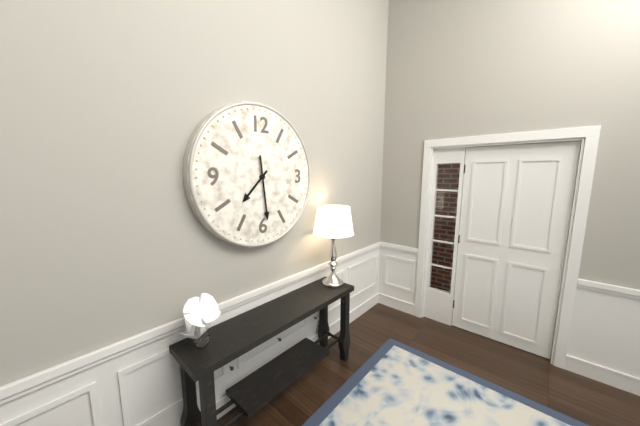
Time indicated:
7h29
